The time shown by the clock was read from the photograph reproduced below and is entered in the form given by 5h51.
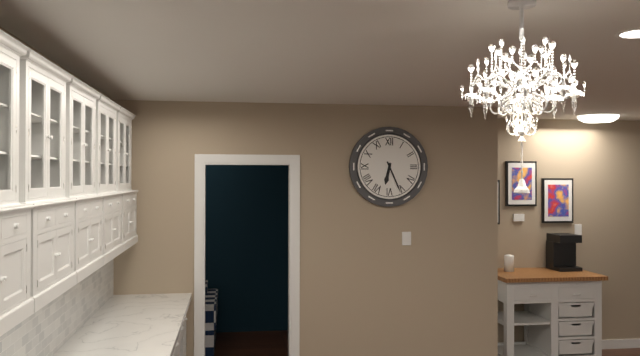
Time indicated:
6h26
